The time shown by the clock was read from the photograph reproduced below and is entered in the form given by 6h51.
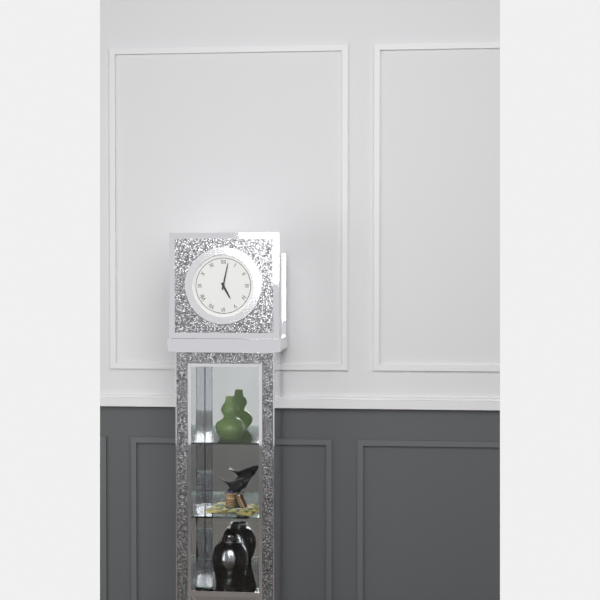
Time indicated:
5h02
